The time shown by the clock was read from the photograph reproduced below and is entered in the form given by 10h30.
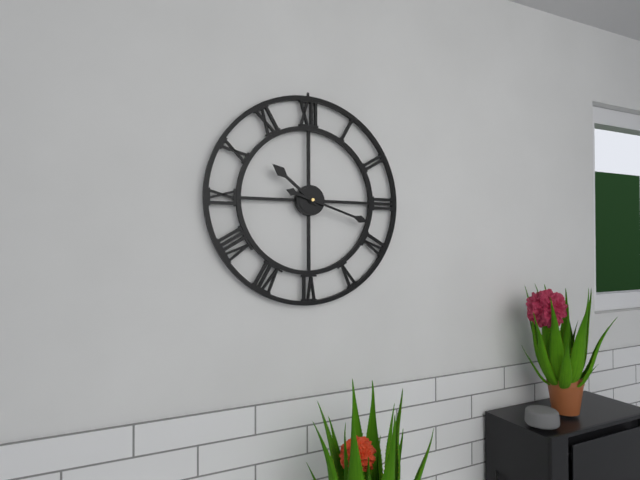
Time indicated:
10h18
